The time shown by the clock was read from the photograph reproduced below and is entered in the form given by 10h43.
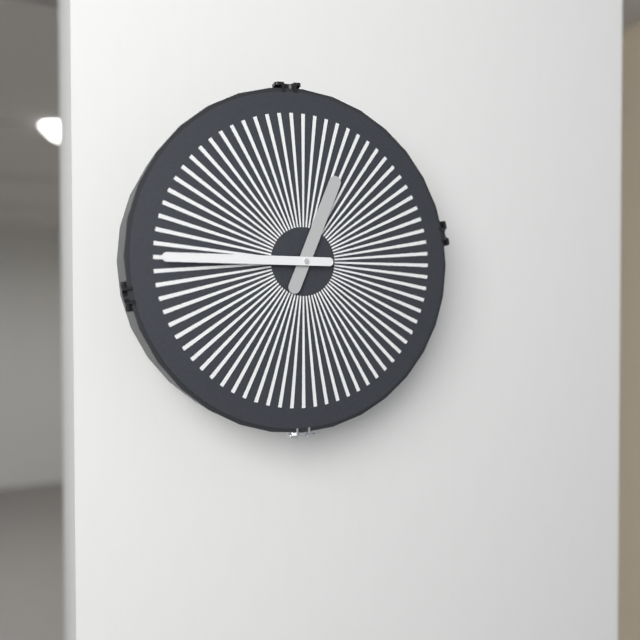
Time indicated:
12h45
